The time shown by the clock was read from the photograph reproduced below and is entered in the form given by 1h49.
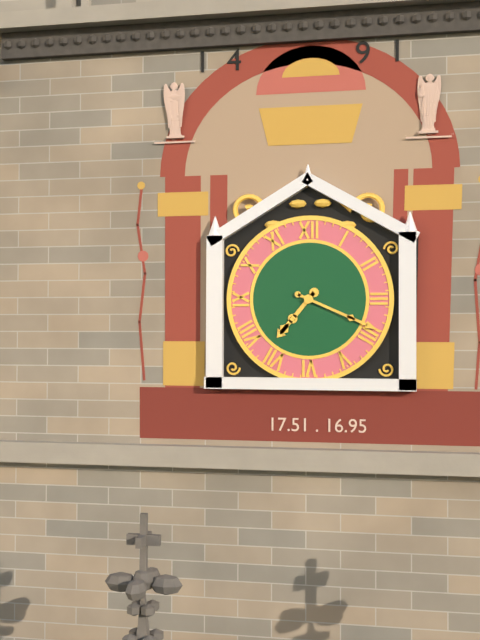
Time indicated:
7h19
